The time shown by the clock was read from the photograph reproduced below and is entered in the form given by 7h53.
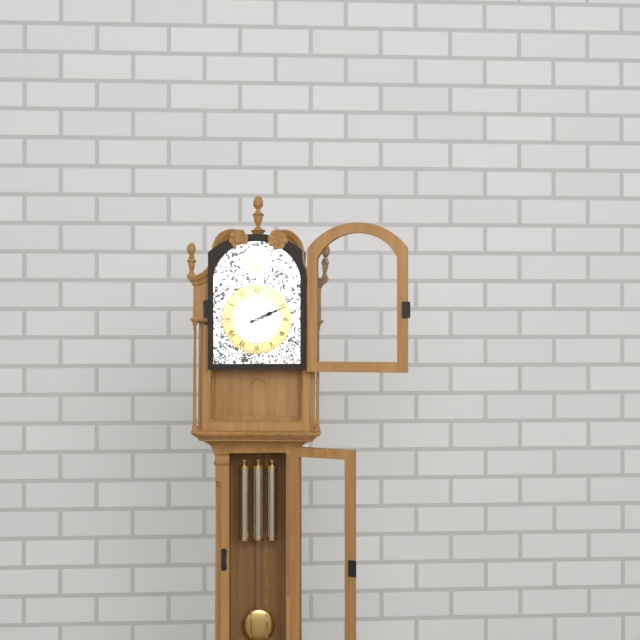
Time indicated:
2h11
